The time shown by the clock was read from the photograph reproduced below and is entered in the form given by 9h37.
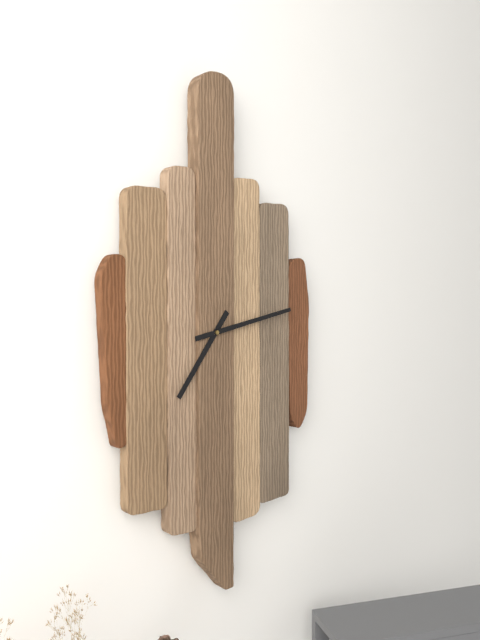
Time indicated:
7h13
